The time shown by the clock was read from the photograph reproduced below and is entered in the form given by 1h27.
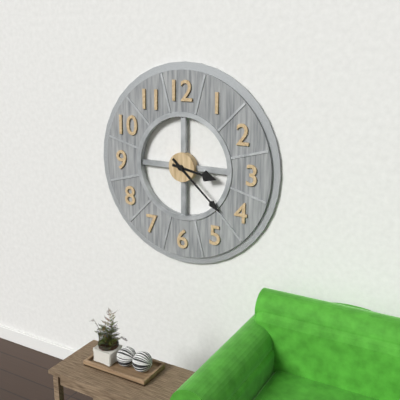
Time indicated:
3h22
